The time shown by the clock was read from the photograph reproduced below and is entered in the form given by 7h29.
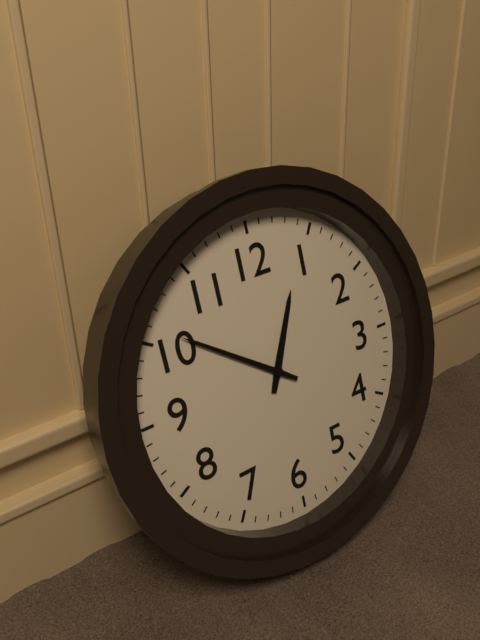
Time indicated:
12h51
